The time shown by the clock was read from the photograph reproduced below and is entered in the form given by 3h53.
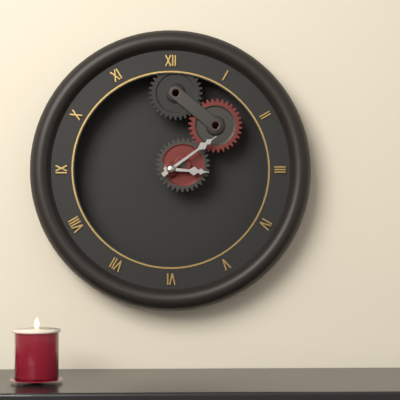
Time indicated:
3h09
